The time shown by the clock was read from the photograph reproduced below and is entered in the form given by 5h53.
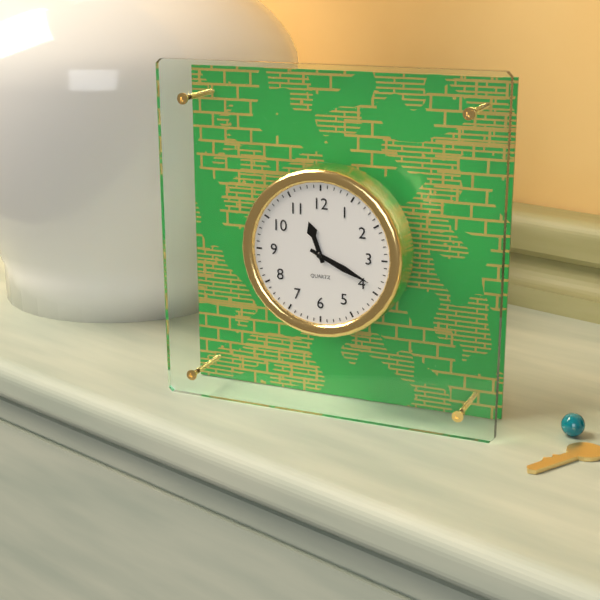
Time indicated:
11h19
